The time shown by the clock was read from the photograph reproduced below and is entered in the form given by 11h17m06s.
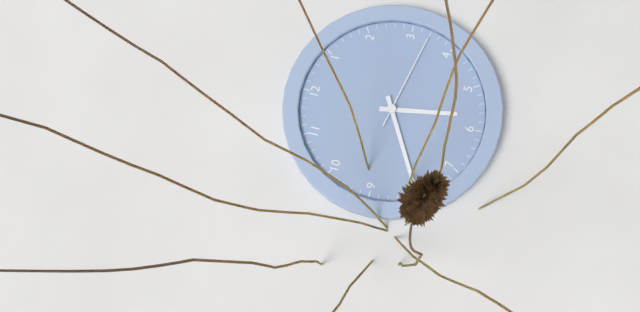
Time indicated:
5h40m17s
